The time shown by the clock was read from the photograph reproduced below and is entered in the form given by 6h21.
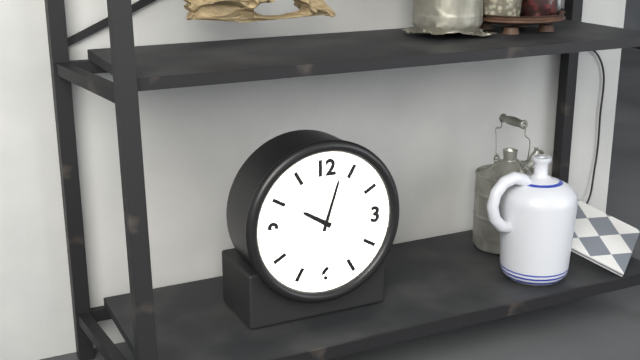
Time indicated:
10h03
